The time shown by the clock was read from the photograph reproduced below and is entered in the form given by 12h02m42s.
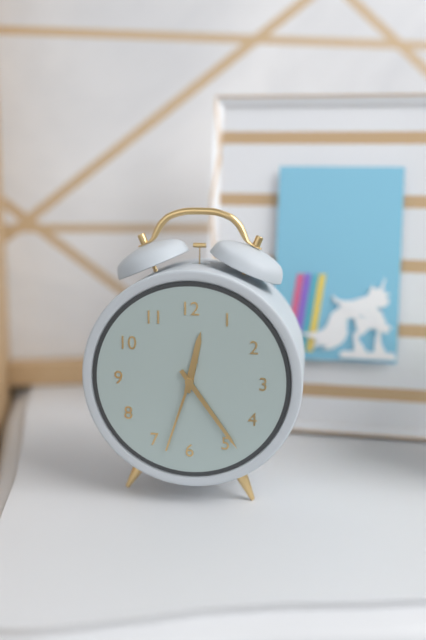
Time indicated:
12h24m33s
